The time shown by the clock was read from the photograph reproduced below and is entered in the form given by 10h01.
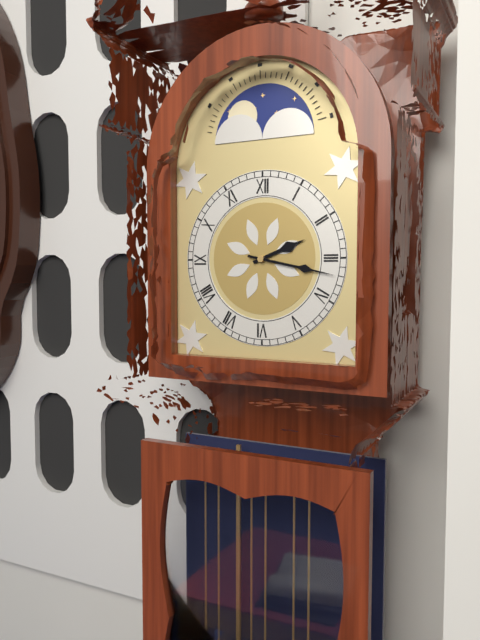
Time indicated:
2h17
